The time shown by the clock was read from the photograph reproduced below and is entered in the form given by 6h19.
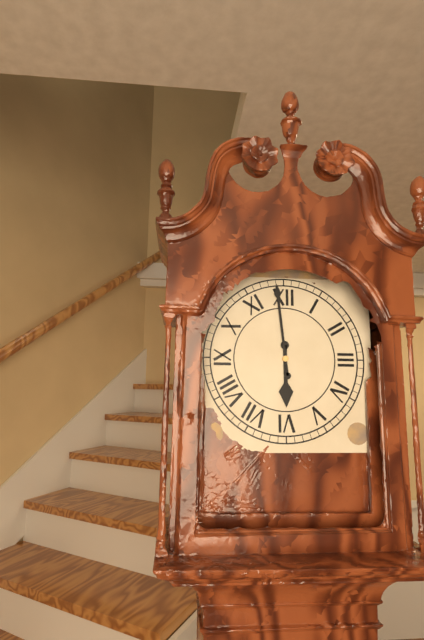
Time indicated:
5h59
